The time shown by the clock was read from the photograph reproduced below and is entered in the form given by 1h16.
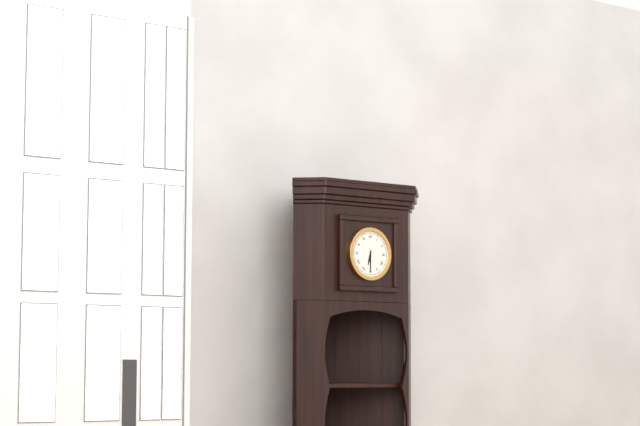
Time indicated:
6h30
